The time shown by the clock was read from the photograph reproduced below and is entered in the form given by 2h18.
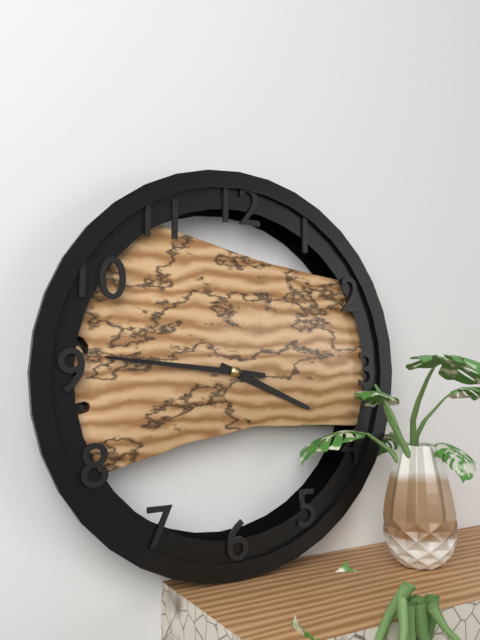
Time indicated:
3h46
